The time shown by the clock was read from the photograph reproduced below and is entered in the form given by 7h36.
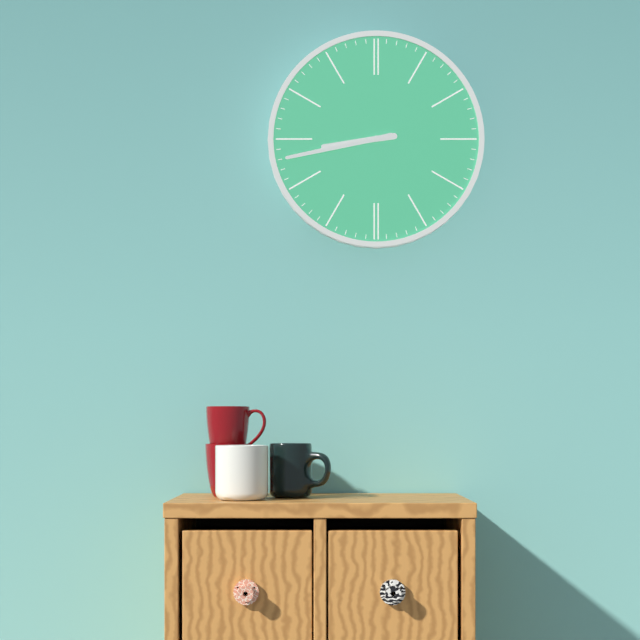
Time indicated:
8h43
